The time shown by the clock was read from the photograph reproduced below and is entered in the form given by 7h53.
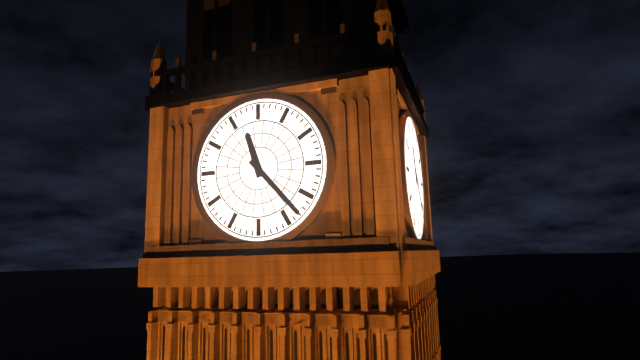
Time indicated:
11h23
